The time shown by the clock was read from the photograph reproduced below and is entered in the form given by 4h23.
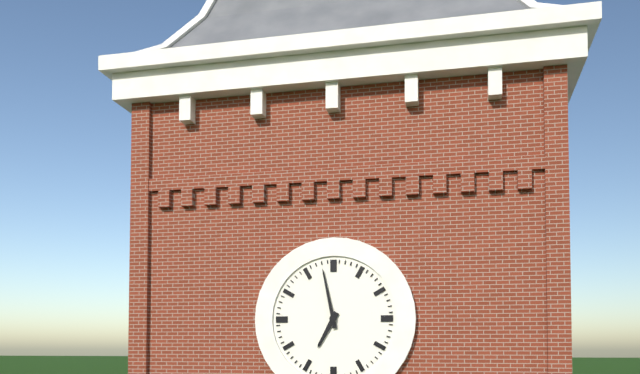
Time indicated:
6h58
